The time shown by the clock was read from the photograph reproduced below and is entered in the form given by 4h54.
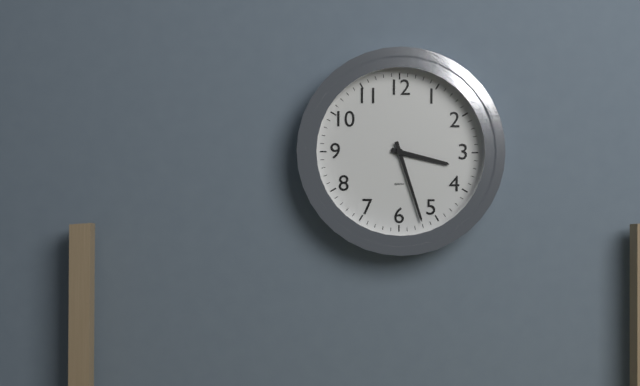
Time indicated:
3h27
